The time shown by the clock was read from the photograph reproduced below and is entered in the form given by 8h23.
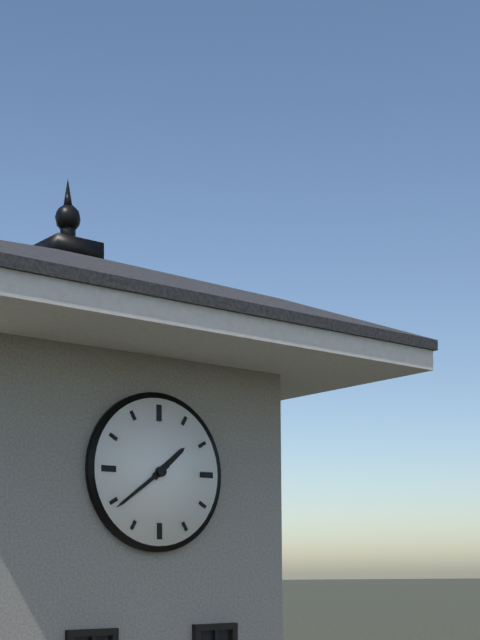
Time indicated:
1h39
